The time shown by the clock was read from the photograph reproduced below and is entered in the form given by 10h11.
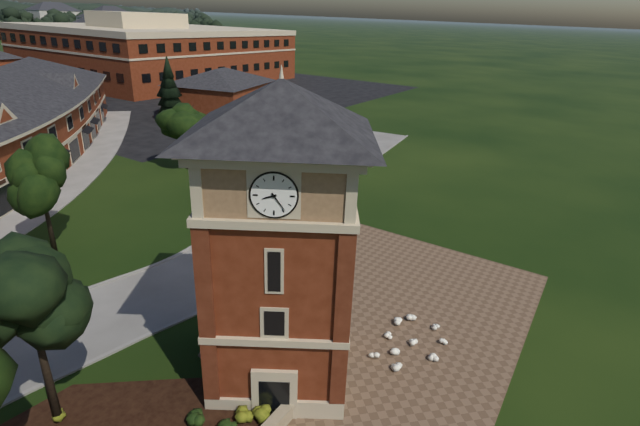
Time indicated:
8h24
